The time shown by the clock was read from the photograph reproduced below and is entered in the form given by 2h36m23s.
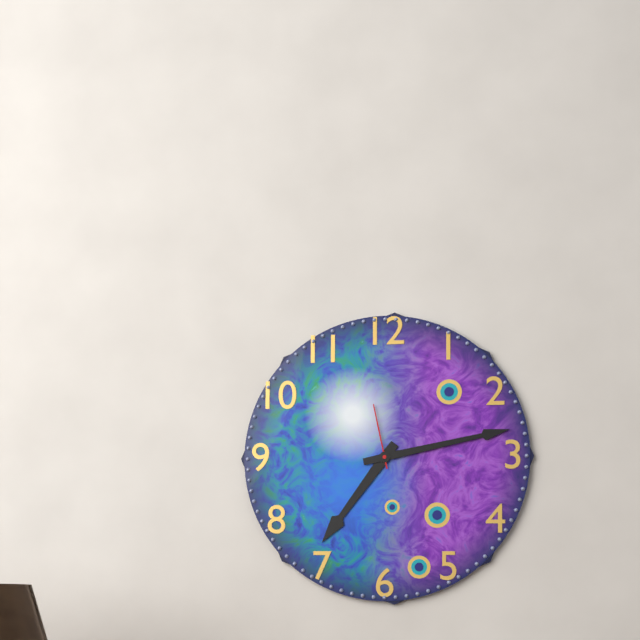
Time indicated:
7h13m58s
